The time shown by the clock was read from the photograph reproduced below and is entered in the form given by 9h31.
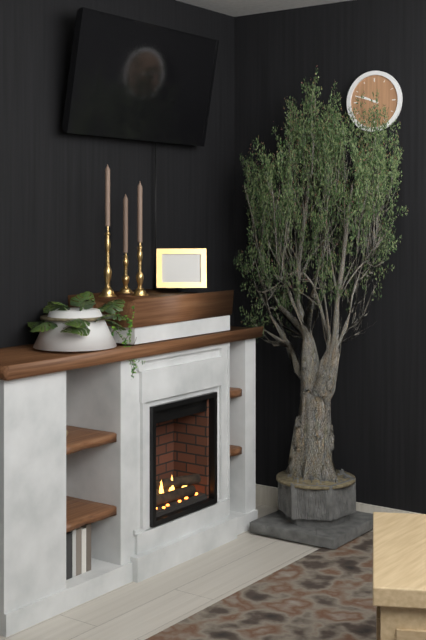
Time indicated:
9h48
